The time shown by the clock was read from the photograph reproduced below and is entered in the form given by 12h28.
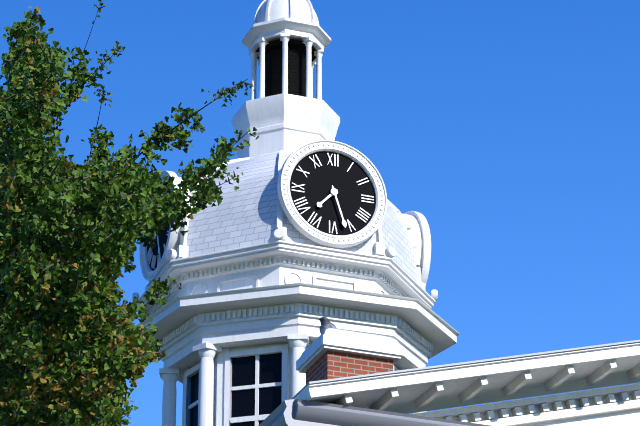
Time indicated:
7h27
